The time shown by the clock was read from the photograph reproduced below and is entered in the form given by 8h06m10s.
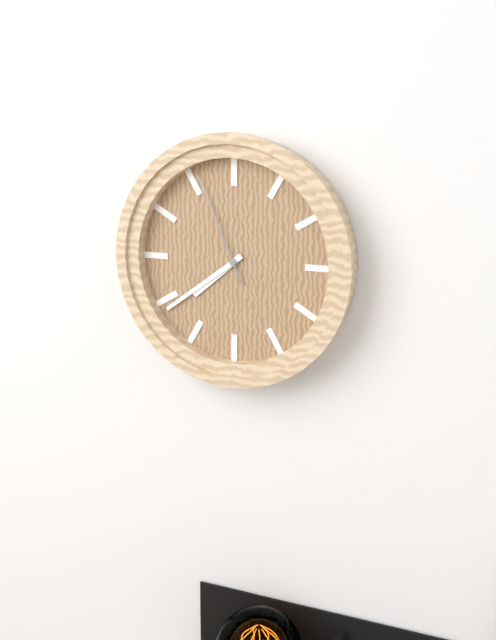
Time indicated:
7h39m56s
